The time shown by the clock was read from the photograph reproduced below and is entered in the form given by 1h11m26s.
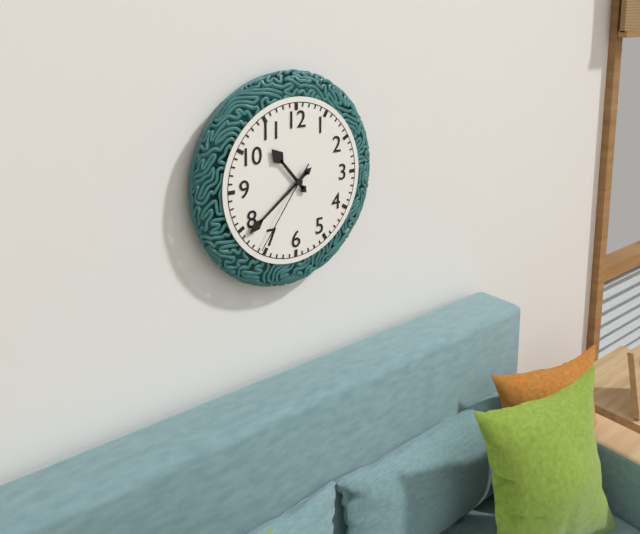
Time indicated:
10h39m36s
